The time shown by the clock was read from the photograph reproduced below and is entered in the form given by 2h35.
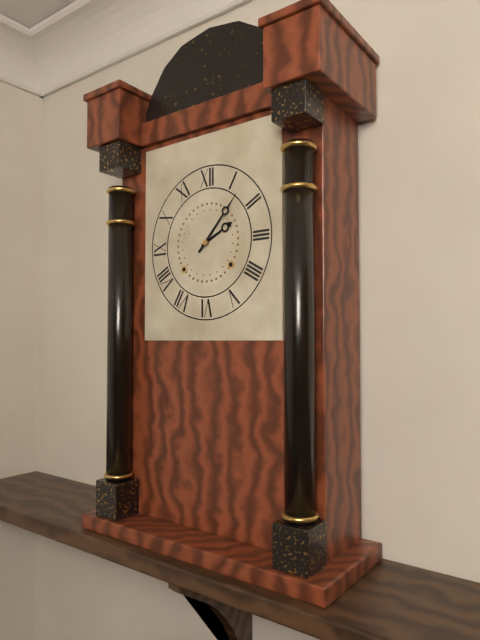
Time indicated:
2h07
